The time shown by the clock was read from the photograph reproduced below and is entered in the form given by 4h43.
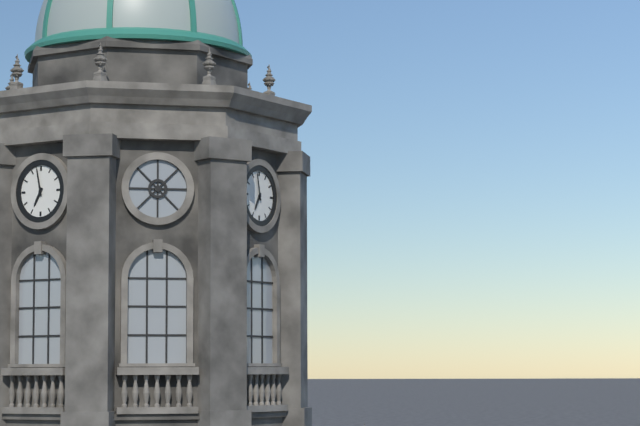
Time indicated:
6h58
